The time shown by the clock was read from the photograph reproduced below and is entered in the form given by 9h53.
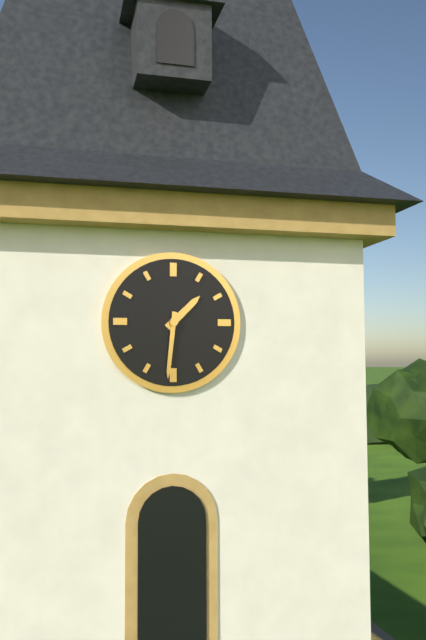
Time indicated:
1h31
